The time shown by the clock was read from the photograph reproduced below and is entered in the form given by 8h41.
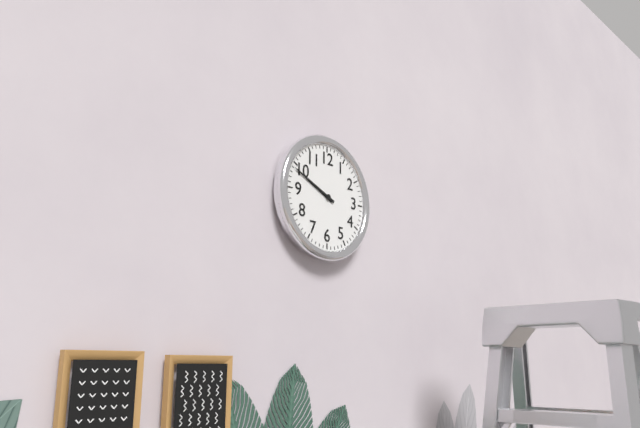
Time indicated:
9h49
